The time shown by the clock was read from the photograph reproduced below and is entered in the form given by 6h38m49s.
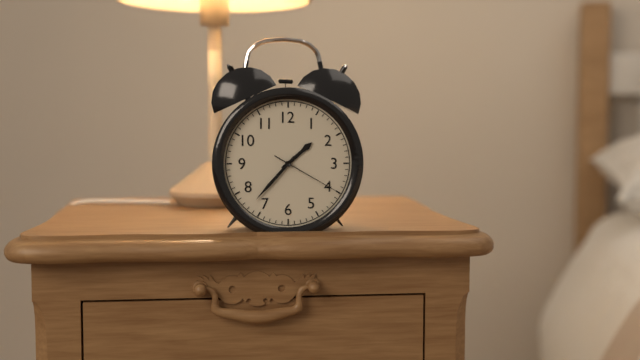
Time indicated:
1h37m20s
